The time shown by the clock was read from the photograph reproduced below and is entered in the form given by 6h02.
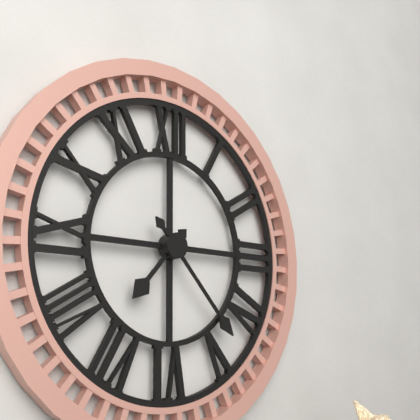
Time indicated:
7h23
